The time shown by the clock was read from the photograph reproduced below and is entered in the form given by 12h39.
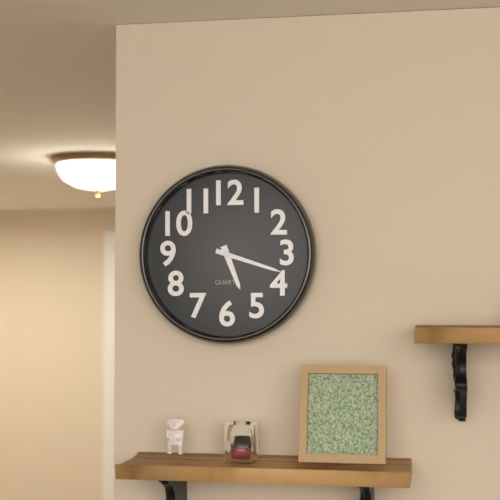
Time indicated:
5h18
